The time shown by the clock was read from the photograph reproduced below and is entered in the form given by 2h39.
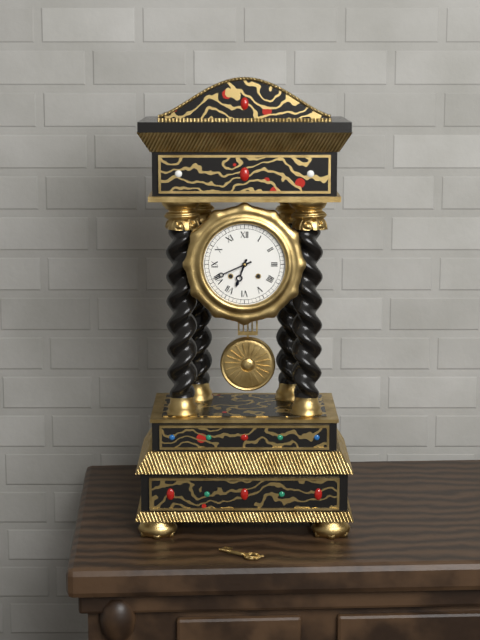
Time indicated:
6h41
